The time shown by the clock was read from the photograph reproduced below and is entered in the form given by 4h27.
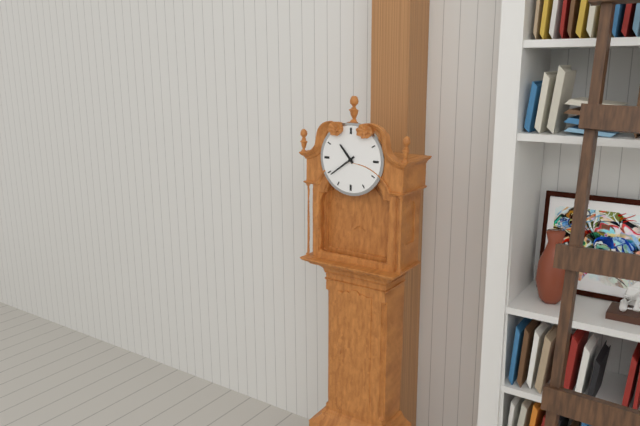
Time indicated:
10h39
